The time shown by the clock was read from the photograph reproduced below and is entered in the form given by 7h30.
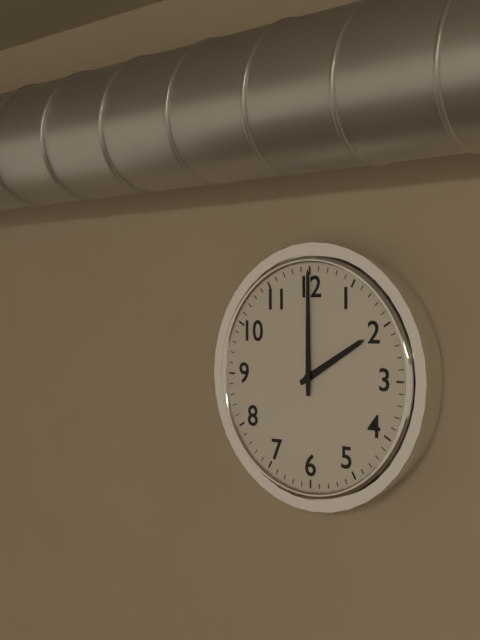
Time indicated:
2h00
